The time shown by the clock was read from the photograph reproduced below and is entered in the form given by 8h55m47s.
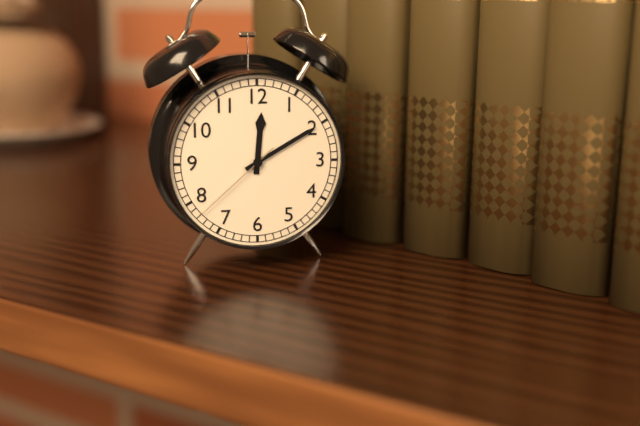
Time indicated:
12h10m38s
